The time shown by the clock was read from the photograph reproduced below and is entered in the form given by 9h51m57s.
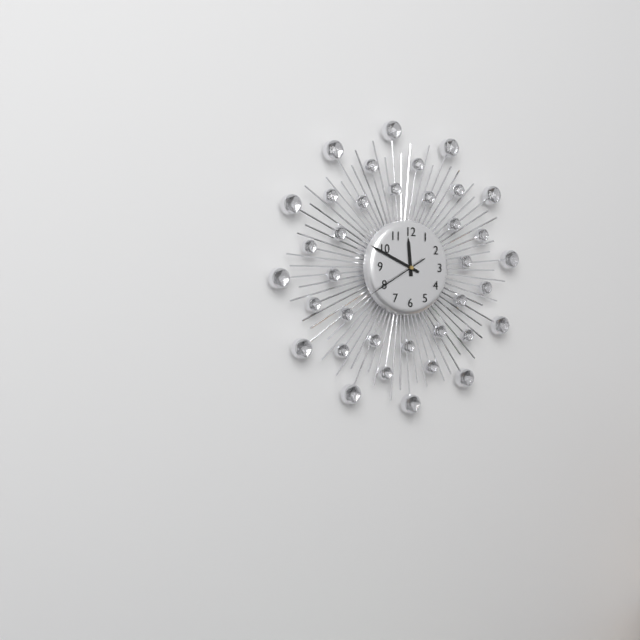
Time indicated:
11h49m40s
